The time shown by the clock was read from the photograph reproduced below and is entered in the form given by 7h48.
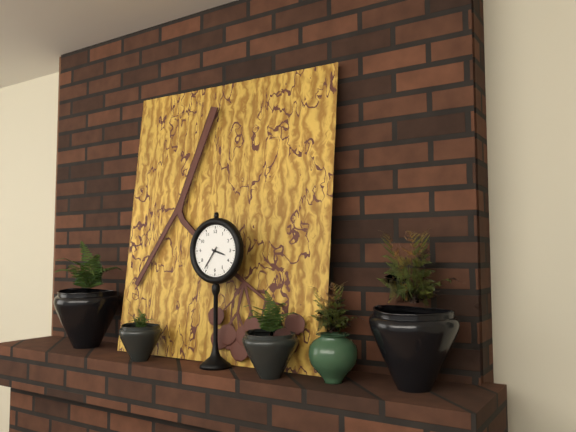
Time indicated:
3h36
